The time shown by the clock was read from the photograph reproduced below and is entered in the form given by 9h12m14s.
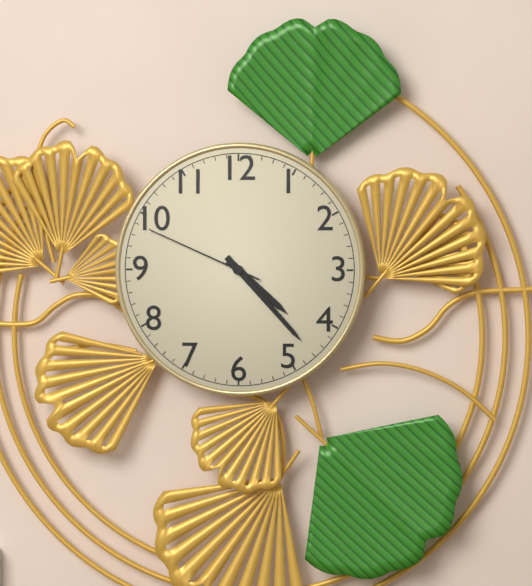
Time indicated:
4h23m49s
